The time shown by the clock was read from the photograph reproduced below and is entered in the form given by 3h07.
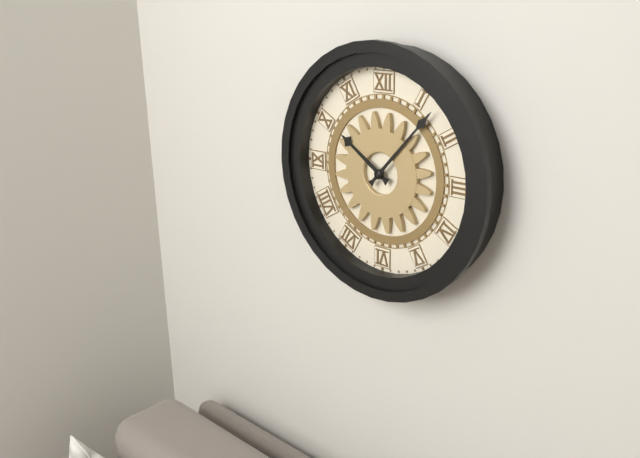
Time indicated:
10h07
